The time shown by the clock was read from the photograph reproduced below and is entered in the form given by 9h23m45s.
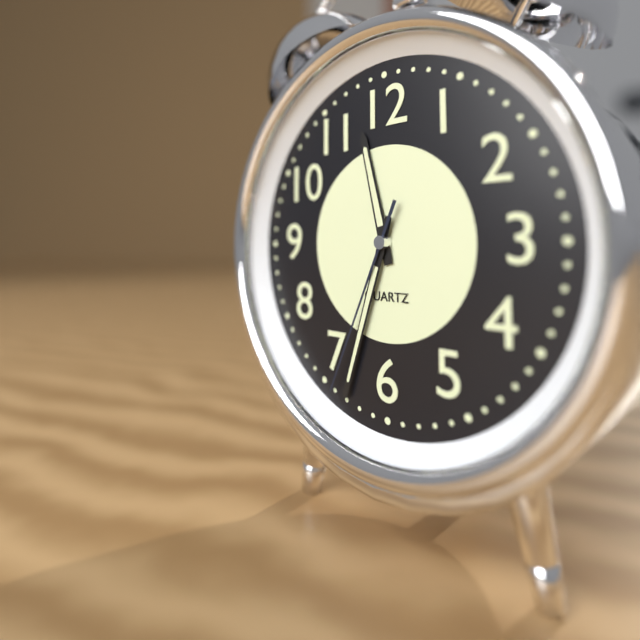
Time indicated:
11h33m34s
